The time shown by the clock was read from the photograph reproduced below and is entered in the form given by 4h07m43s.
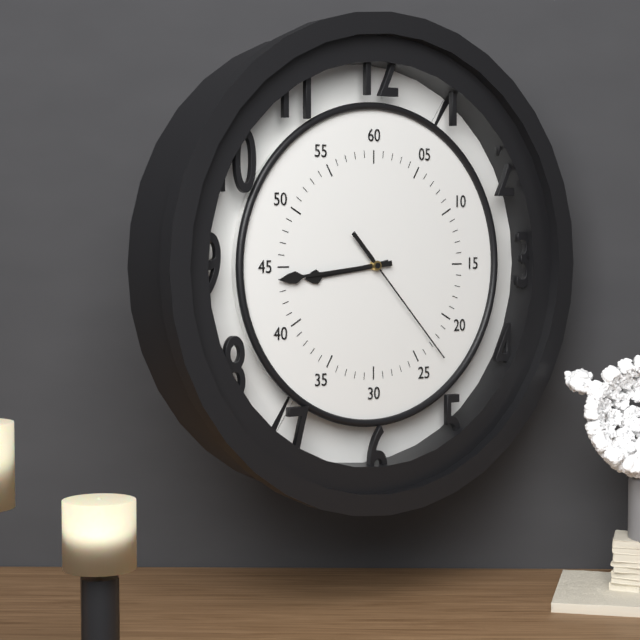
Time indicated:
8h44m23s
